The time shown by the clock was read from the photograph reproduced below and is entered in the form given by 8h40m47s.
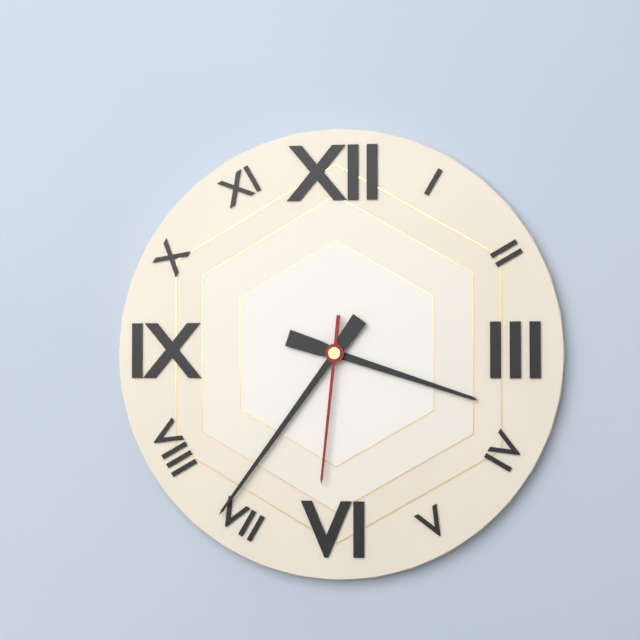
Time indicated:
3h36m31s
